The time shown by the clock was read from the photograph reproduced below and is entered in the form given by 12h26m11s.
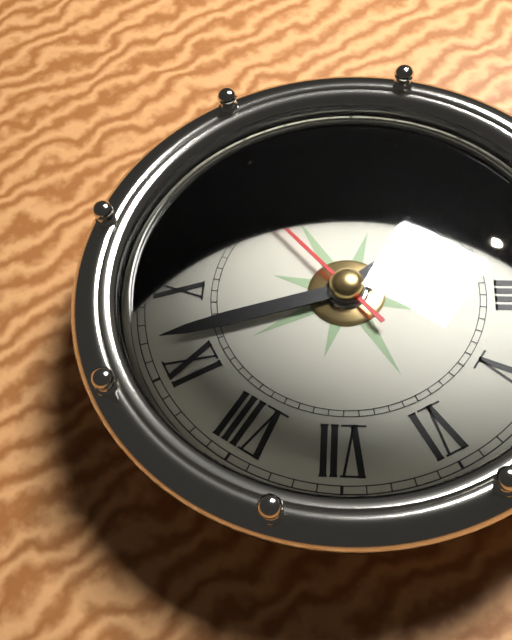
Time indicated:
2h47m58s
